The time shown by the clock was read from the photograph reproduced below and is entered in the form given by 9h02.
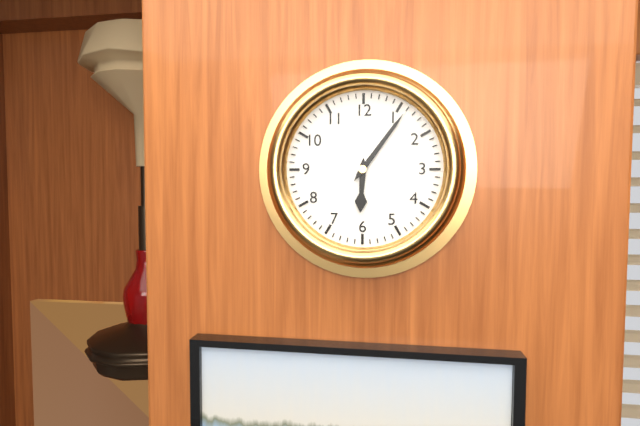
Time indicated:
6h06
